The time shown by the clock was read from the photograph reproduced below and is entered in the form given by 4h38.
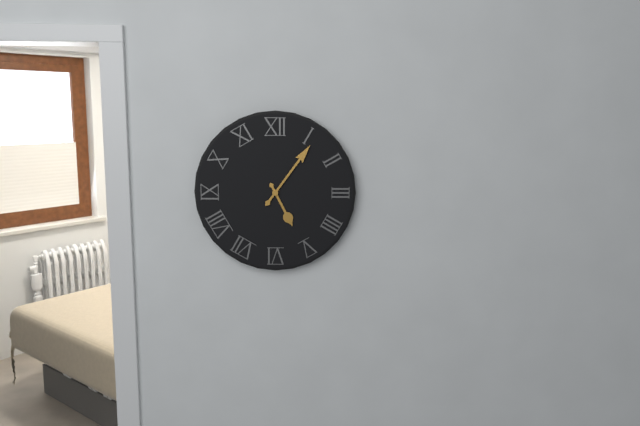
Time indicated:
5h06
